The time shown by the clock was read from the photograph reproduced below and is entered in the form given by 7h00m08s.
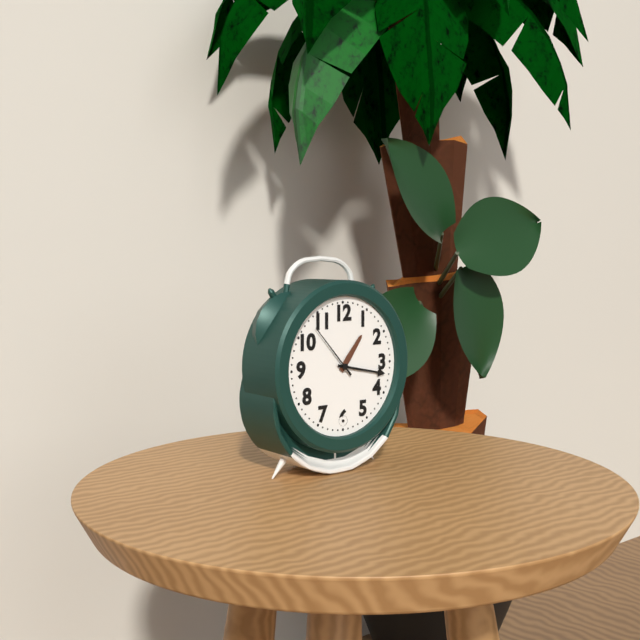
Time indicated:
1h17m53s
